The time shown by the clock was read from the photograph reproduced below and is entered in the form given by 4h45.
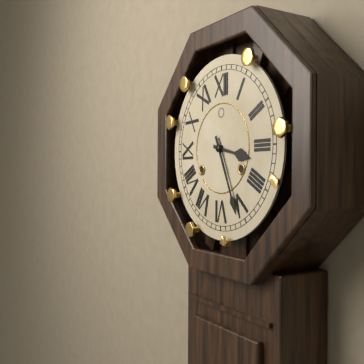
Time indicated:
3h26
